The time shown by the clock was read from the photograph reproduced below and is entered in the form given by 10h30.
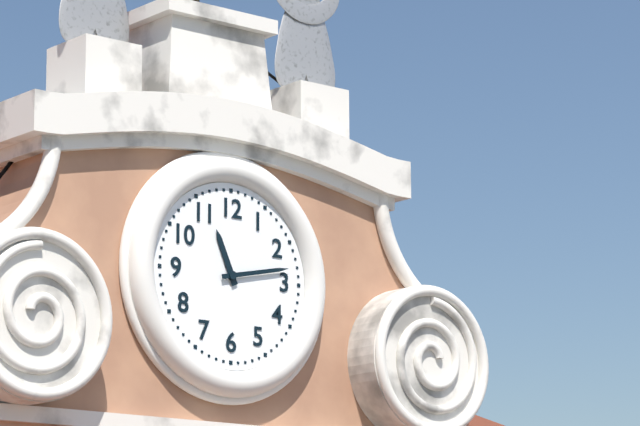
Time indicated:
11h13
